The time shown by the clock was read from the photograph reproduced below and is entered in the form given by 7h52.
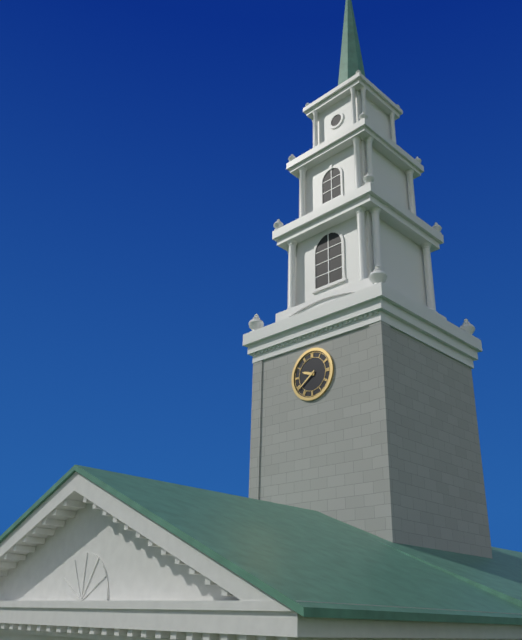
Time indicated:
9h39
